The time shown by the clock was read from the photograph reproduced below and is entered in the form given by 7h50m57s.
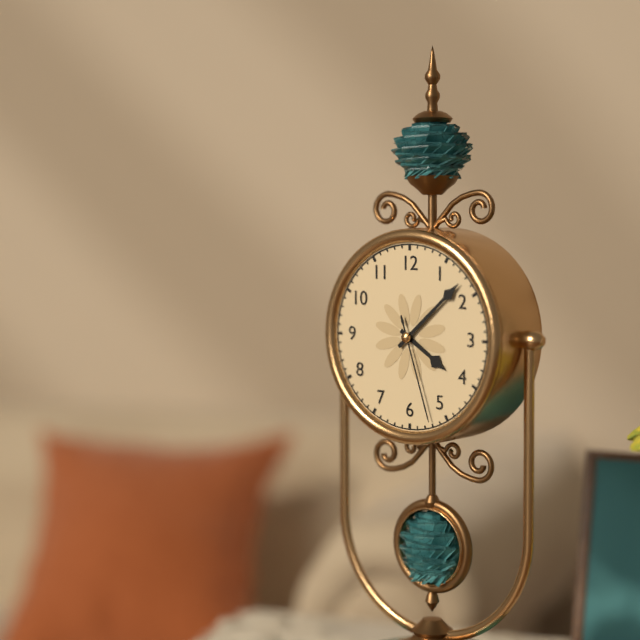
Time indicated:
4h08m27s
